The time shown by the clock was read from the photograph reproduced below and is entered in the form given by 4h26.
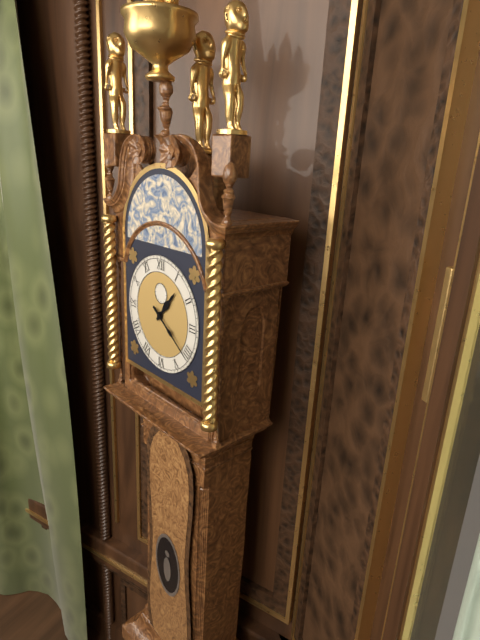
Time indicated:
1h21
